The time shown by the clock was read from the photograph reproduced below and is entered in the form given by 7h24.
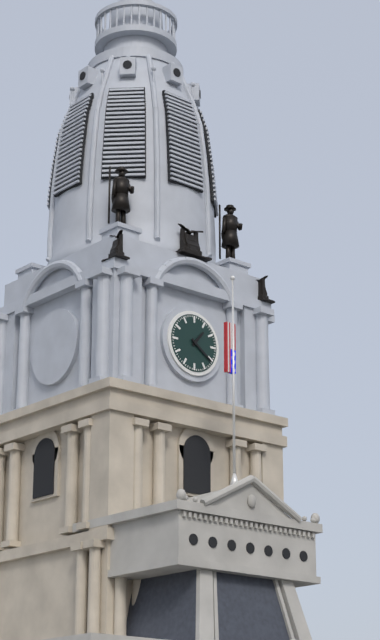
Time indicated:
1h21
